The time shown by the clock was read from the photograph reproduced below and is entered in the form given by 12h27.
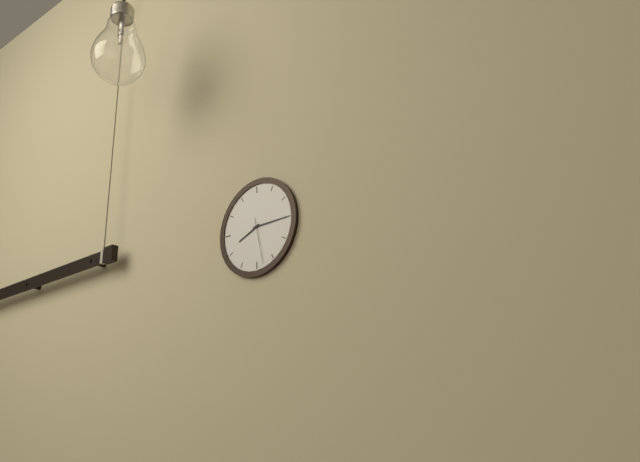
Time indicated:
8h15
